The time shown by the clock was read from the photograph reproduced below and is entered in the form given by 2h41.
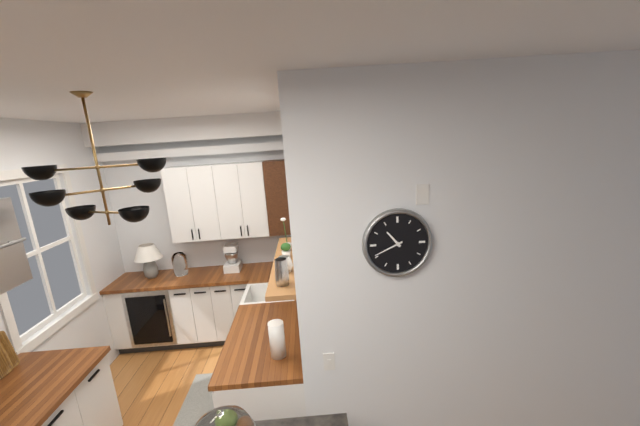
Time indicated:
10h41
